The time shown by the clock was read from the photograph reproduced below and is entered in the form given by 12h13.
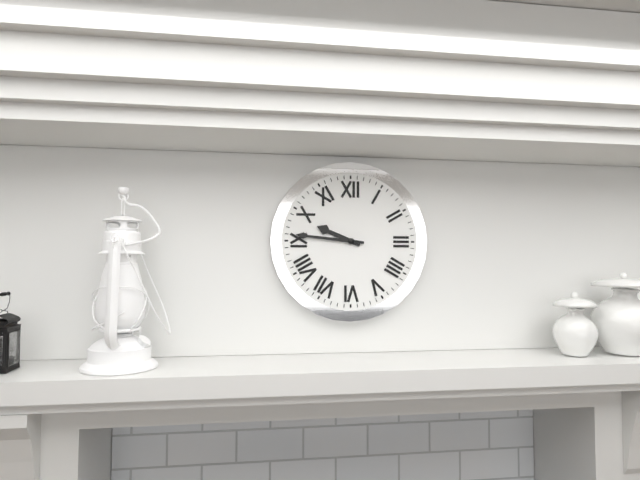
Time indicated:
9h46
